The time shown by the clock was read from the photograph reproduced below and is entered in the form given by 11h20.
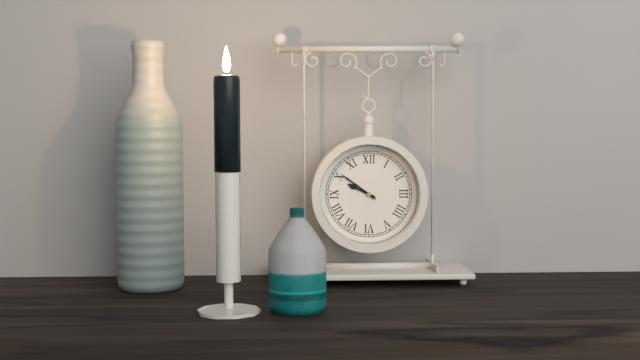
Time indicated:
9h51
